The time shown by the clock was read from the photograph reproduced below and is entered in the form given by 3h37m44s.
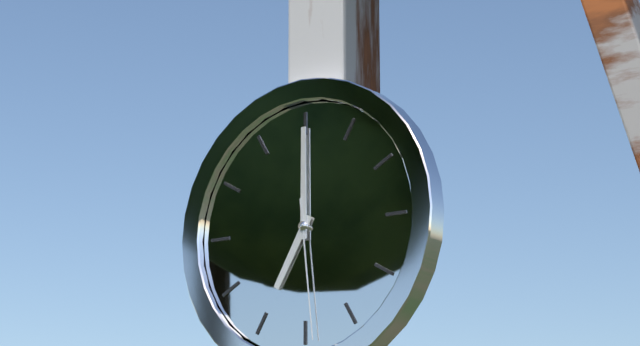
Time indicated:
7h00m29s
